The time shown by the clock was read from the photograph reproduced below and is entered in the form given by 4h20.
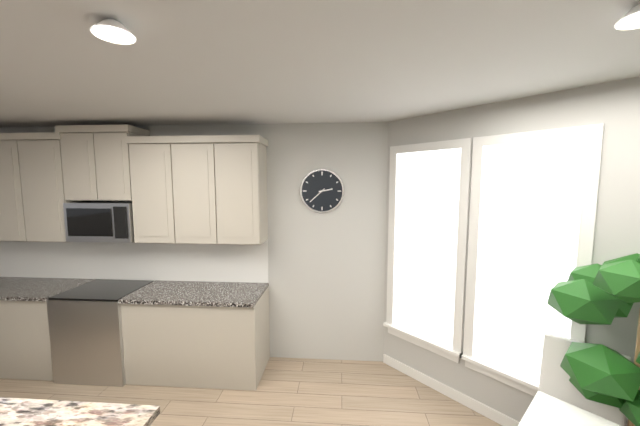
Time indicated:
2h38
